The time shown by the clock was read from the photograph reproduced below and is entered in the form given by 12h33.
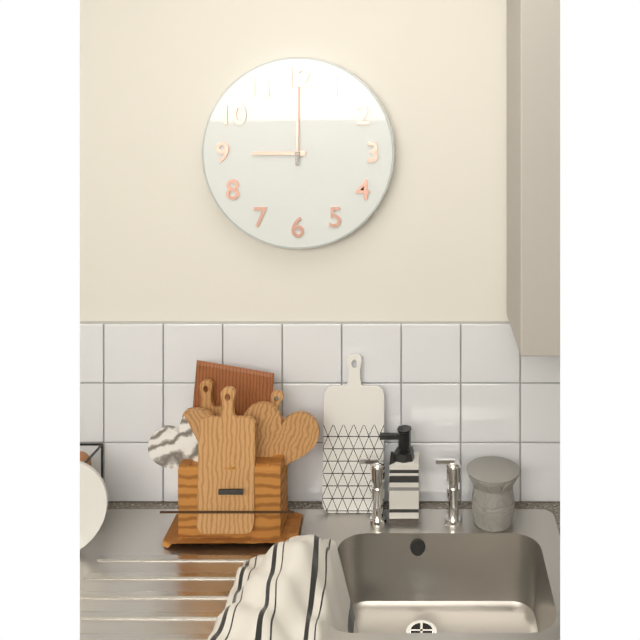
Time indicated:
9h00
